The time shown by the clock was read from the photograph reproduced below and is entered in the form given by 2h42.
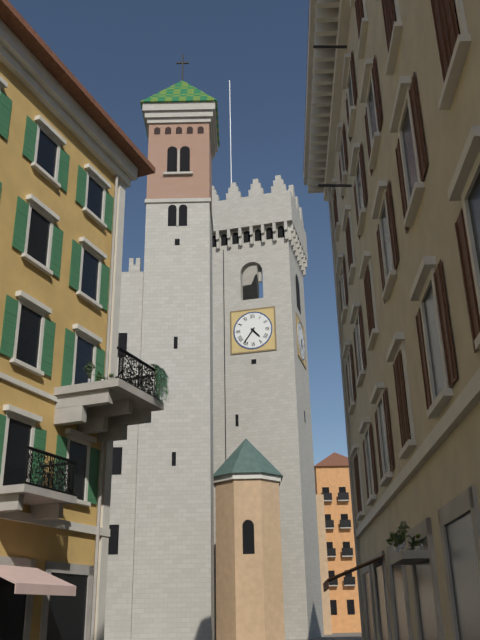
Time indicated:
4h36
